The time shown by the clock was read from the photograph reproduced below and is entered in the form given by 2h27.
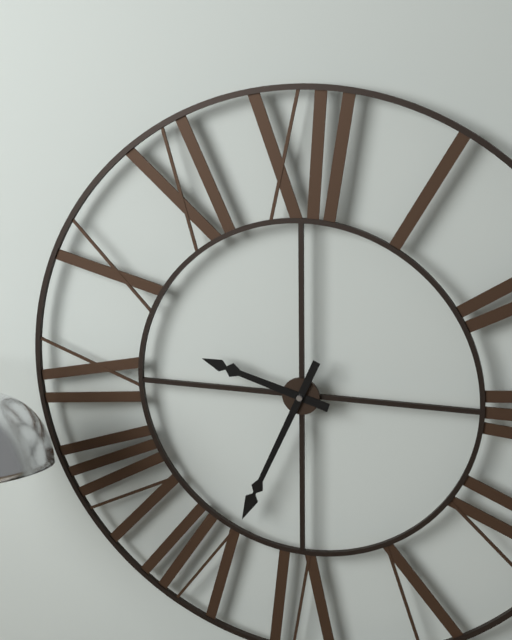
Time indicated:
9h34
